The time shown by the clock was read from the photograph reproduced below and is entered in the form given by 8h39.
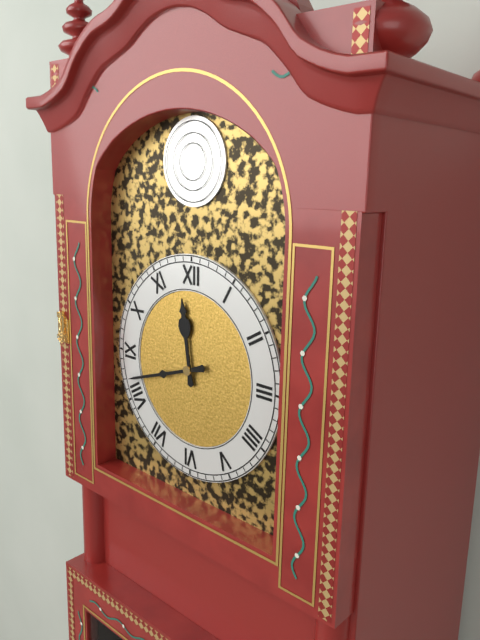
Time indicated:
11h42
